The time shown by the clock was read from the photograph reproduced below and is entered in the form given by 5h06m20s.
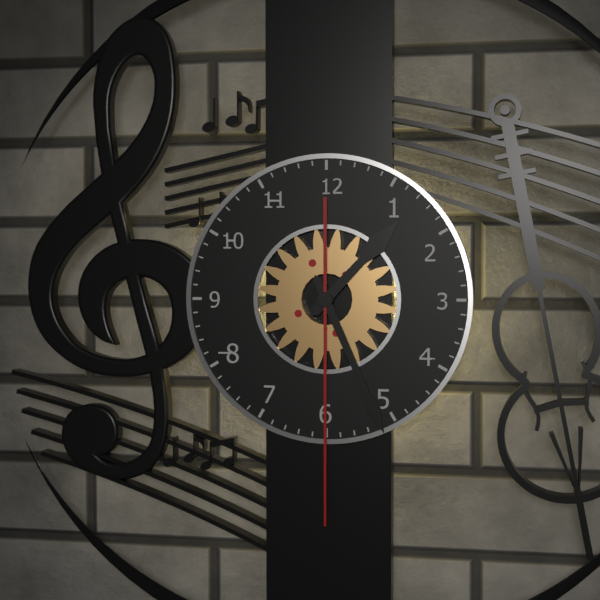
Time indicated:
1h26m30s
